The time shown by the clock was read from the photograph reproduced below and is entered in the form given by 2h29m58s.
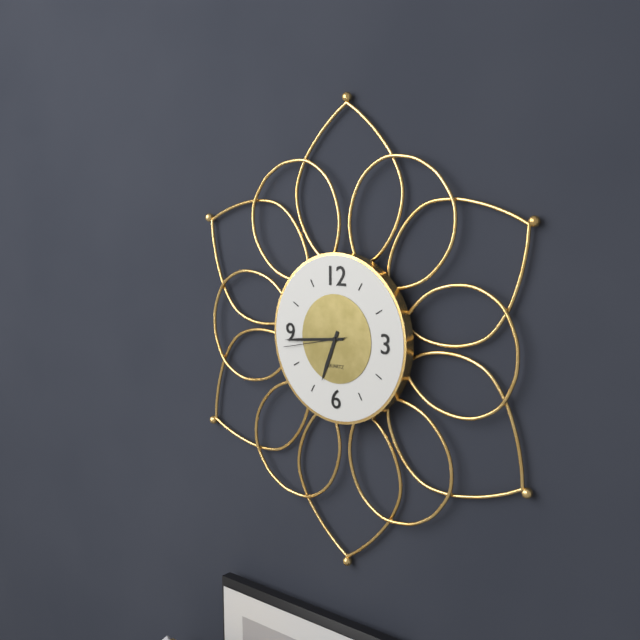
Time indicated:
6h44m43s
